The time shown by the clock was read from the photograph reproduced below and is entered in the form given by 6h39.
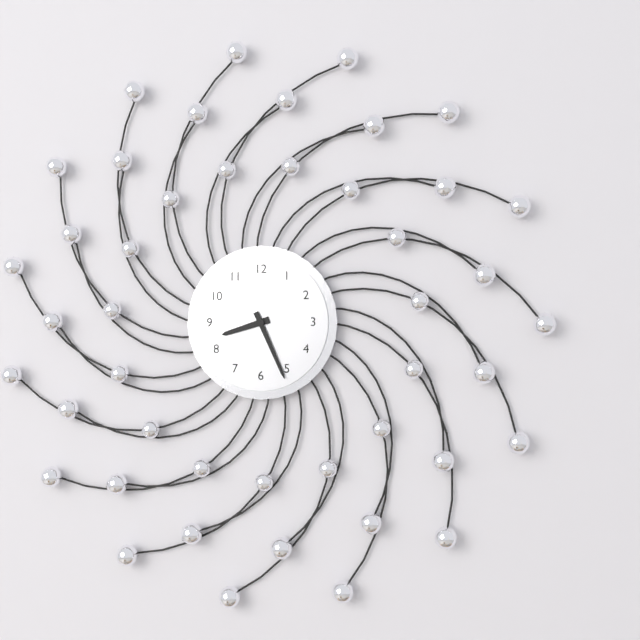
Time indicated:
8h26
